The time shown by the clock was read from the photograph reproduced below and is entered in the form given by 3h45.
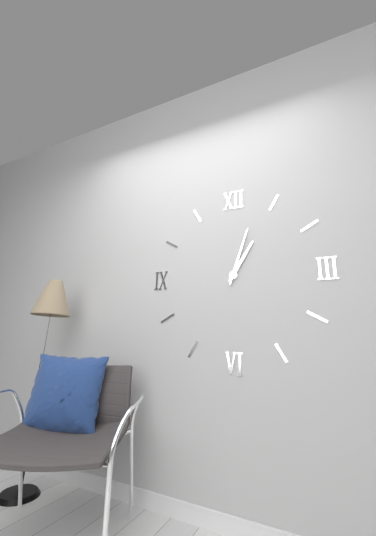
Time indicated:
1h03
